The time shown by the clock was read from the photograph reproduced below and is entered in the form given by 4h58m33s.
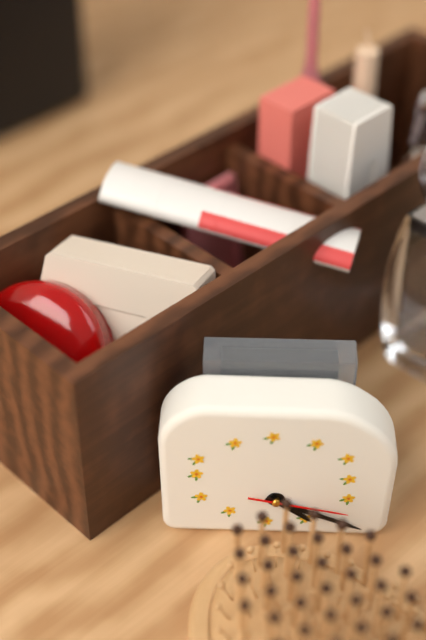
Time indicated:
4h19m17s
